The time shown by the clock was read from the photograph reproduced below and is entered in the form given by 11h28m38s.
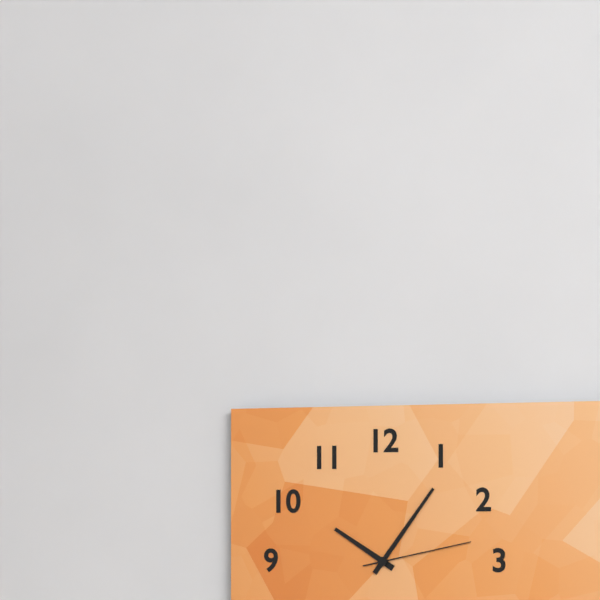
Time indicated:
10h06m13s
